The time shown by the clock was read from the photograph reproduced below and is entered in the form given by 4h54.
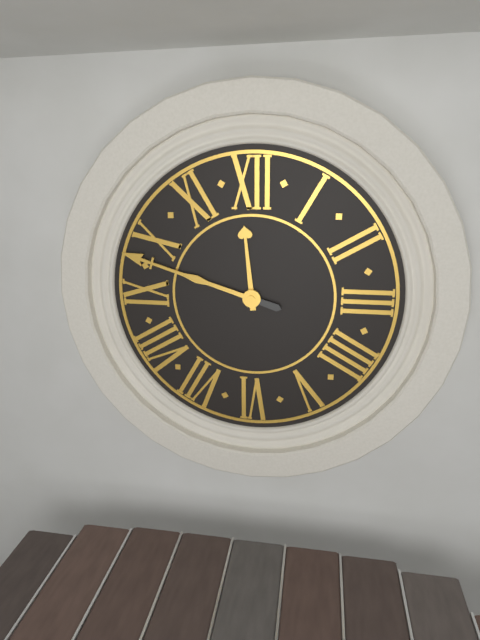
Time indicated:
11h48
